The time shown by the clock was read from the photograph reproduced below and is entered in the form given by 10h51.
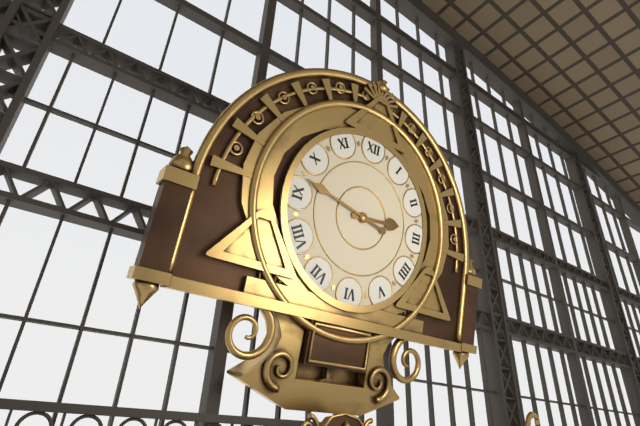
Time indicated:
2h47
